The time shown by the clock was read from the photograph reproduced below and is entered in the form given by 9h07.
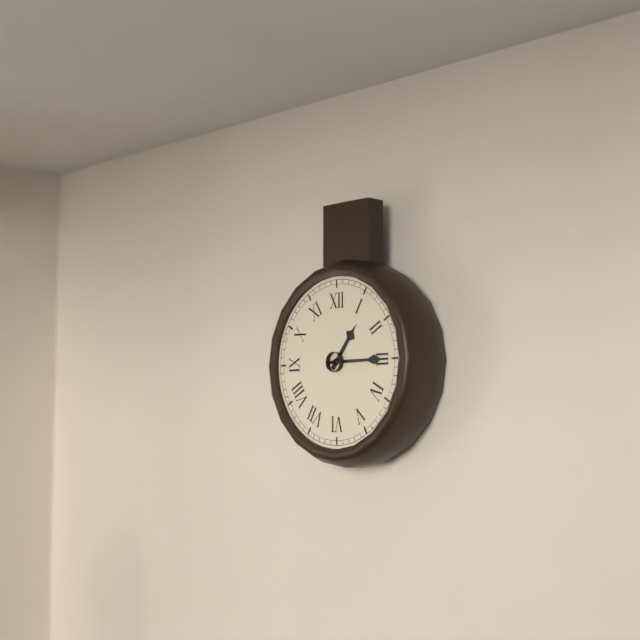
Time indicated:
1h15
